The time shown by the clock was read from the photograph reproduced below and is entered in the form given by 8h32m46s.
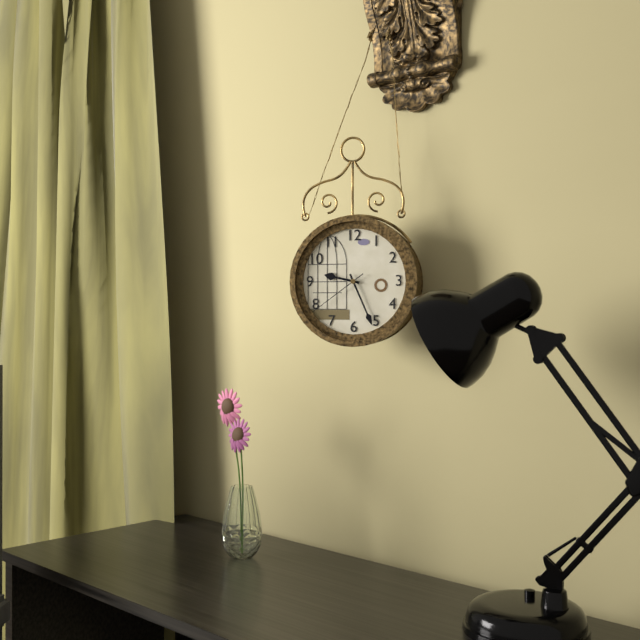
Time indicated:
9h26m39s
